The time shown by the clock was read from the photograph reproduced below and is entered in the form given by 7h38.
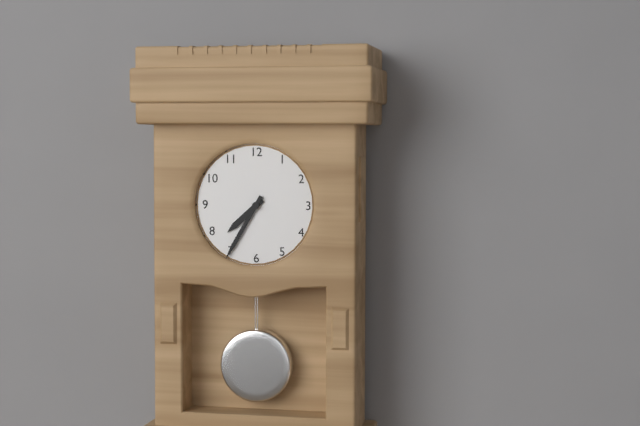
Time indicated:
7h35
